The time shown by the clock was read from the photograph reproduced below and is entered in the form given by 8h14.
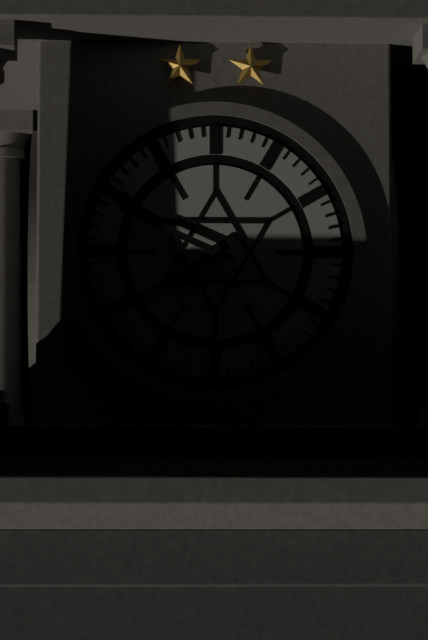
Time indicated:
7h49
